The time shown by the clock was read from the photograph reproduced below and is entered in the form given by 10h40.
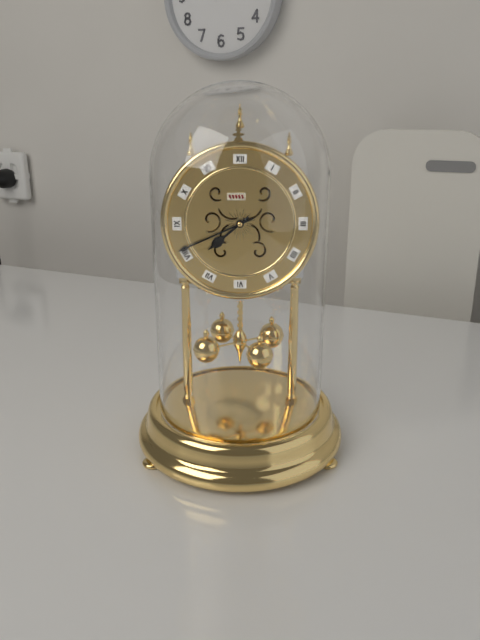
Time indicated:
7h41
